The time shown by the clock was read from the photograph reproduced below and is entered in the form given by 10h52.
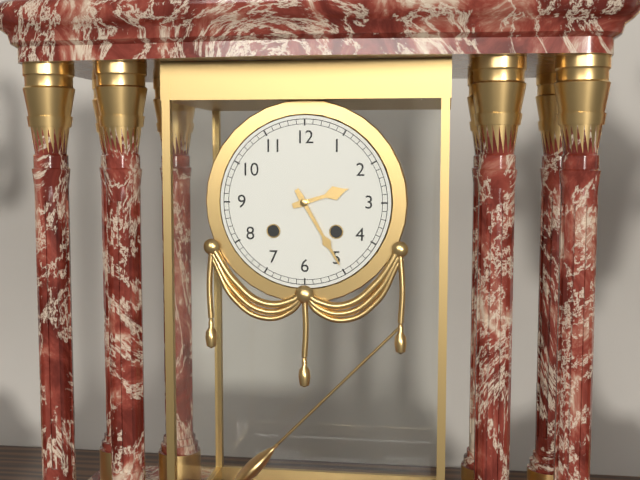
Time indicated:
2h25
